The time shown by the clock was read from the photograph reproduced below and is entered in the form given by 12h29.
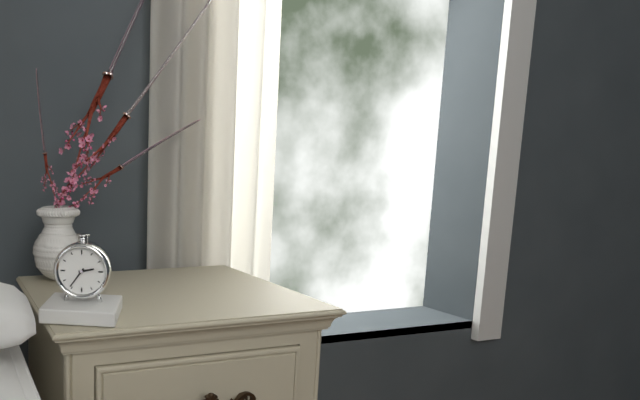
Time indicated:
2h36
